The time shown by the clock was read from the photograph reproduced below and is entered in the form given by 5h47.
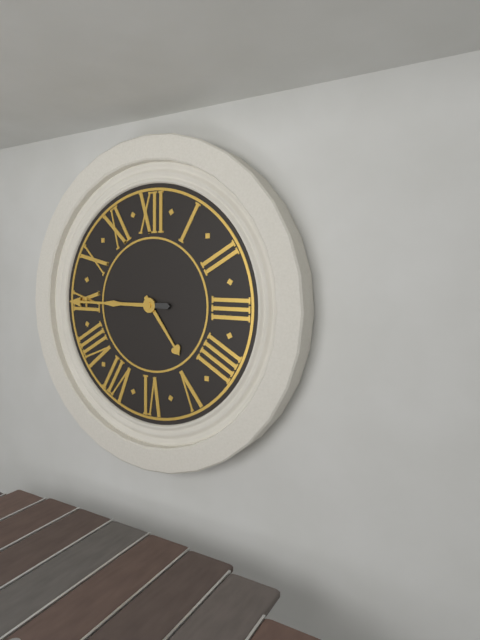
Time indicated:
4h45
